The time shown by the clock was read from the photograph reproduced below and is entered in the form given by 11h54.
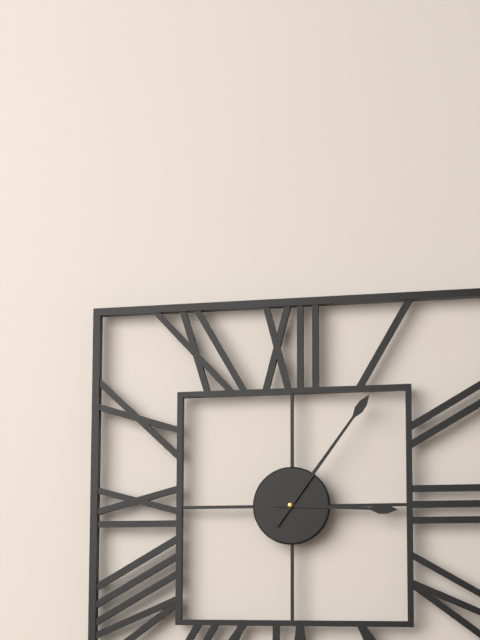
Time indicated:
3h06
